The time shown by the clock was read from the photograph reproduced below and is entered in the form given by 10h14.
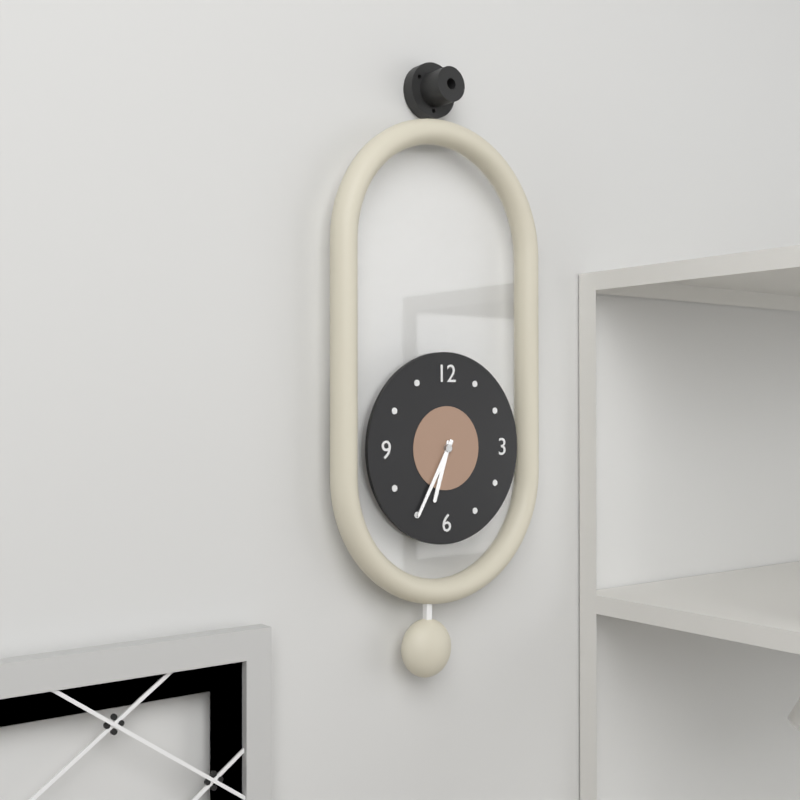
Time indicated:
6h35
